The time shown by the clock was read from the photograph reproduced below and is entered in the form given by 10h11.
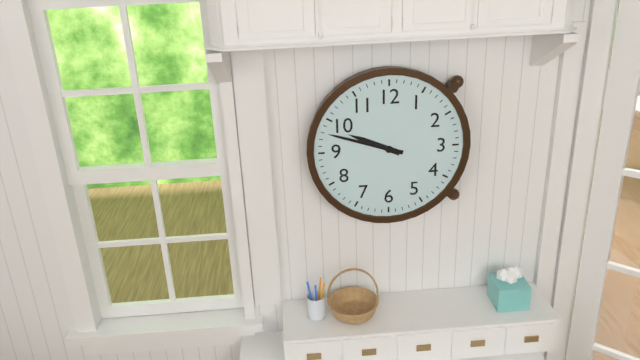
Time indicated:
9h48
